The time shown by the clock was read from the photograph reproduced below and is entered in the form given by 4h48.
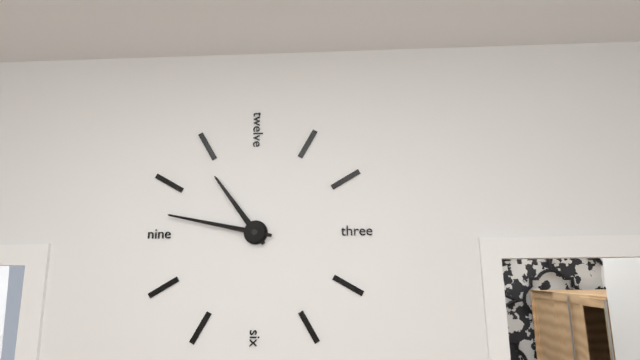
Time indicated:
10h47
